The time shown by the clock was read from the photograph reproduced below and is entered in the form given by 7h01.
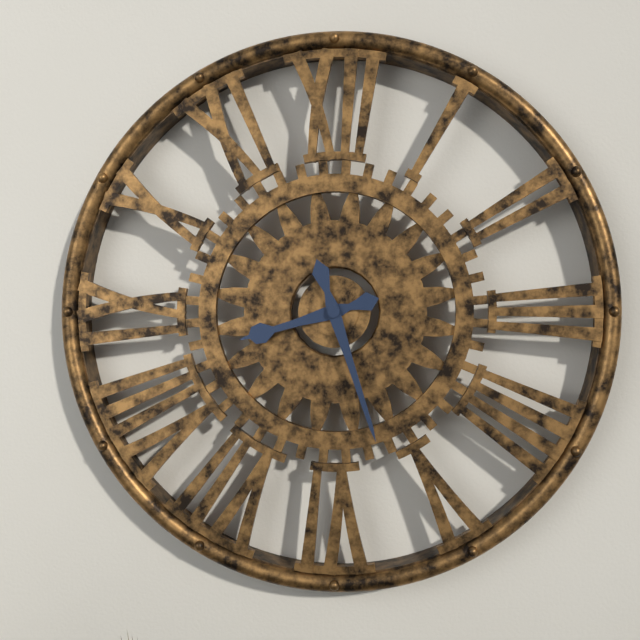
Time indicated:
8h27
